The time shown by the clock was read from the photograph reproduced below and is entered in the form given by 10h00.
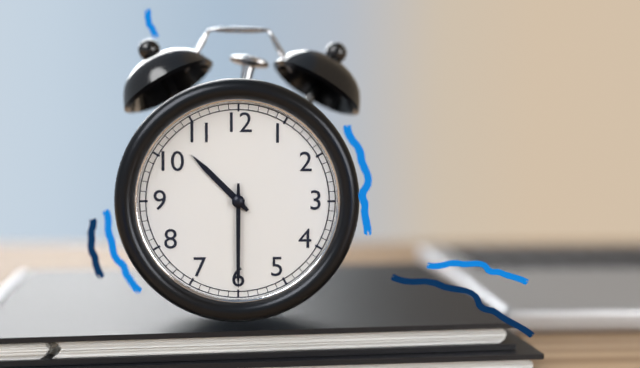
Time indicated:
10h30
